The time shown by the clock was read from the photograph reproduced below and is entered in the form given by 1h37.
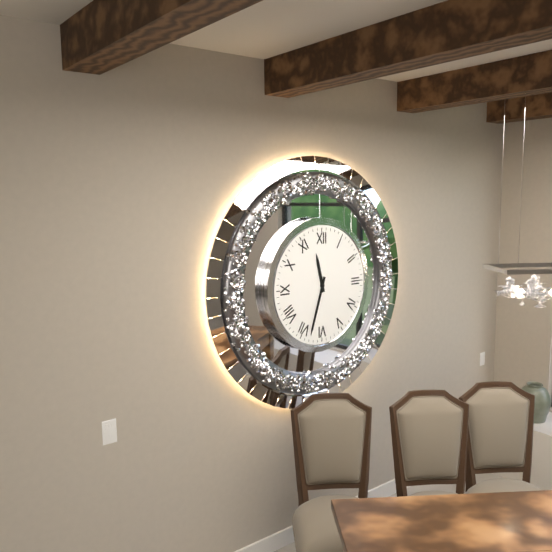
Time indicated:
11h33
